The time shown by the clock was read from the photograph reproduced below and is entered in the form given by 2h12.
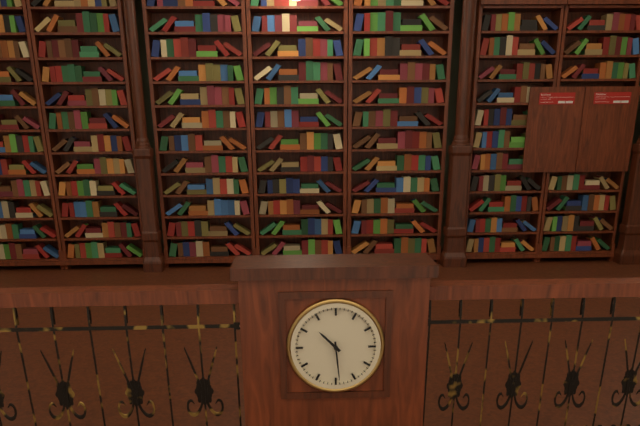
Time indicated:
10h29
